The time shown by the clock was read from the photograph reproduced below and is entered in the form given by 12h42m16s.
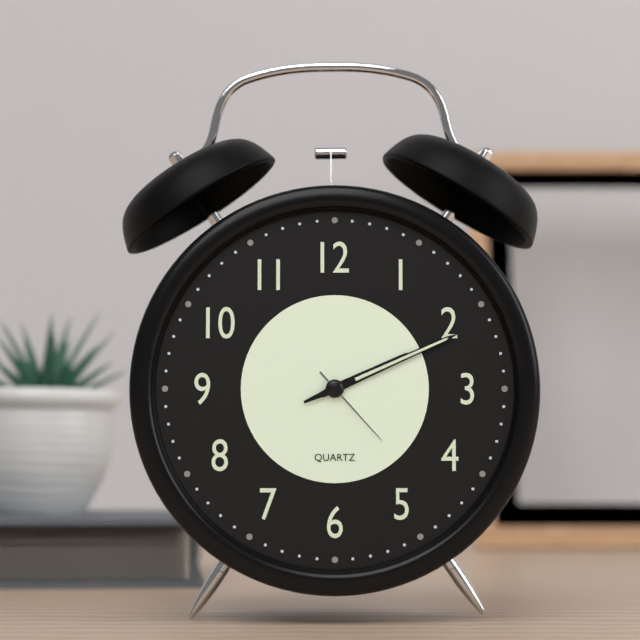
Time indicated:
2h11m23s
